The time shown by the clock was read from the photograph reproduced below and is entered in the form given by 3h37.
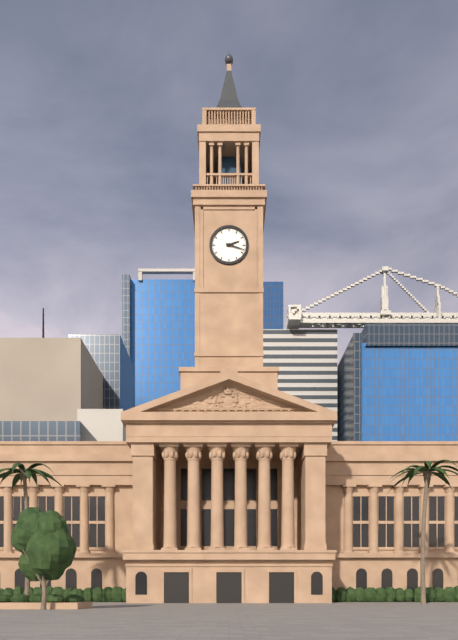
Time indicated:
2h18
